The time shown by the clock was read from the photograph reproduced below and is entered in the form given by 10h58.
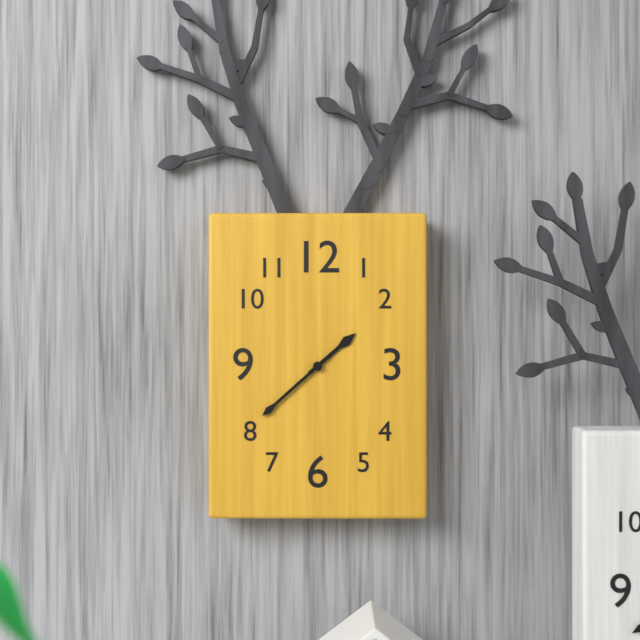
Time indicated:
1h38
